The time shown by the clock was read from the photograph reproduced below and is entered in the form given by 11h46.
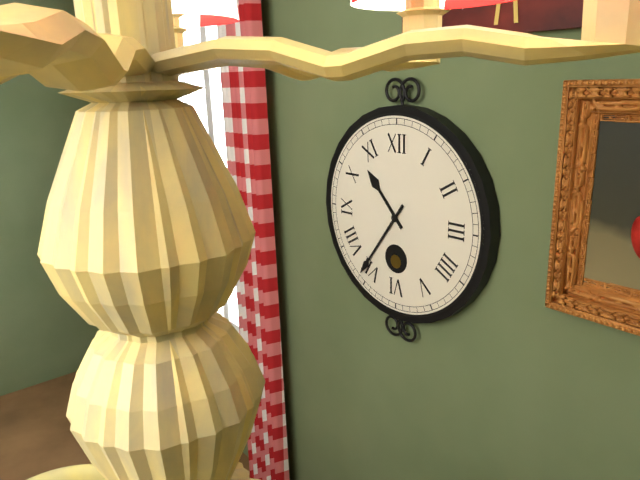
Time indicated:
10h36
